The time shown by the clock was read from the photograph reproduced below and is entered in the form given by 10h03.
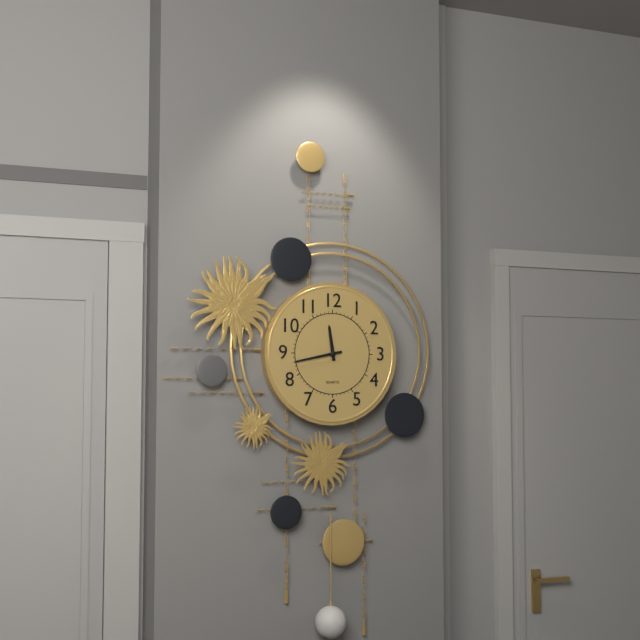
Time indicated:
11h43
